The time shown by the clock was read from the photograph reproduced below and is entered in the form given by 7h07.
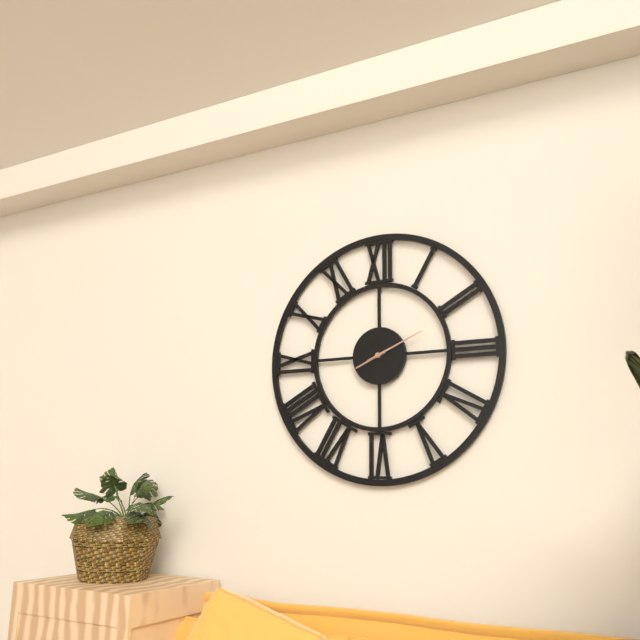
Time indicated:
8h11
